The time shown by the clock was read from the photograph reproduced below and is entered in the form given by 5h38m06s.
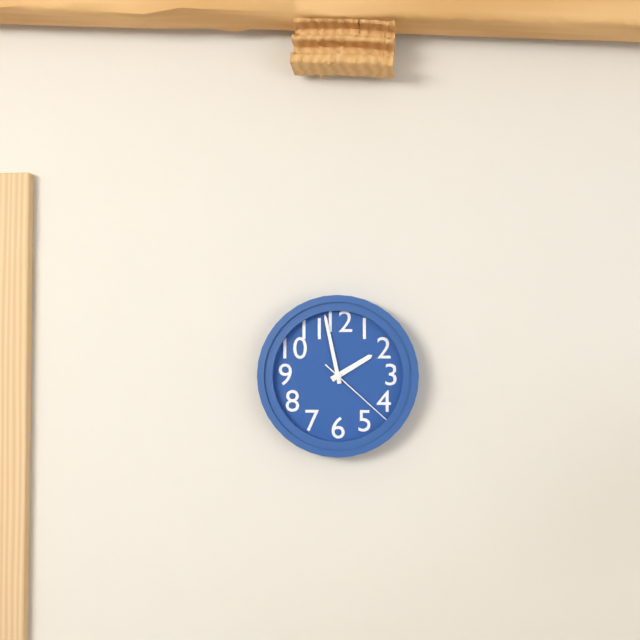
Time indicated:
1h58m22s
